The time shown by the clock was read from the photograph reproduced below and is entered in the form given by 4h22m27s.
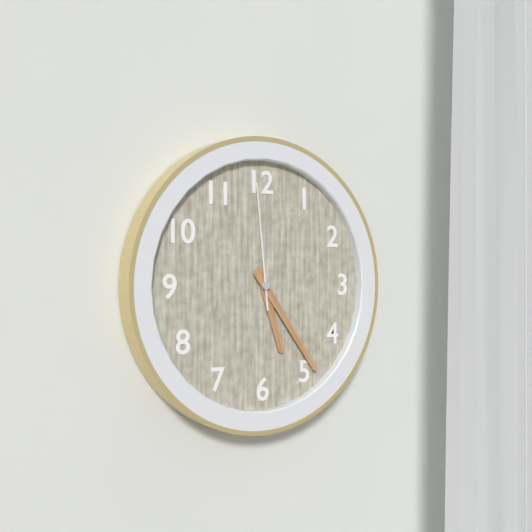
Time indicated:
5h24m59s
